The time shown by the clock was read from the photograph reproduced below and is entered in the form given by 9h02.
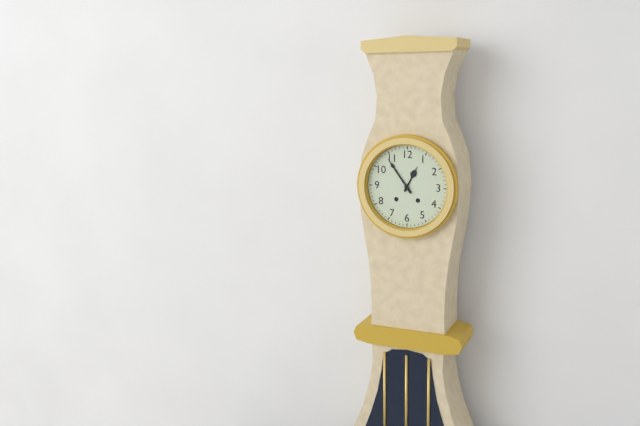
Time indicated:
12h54
